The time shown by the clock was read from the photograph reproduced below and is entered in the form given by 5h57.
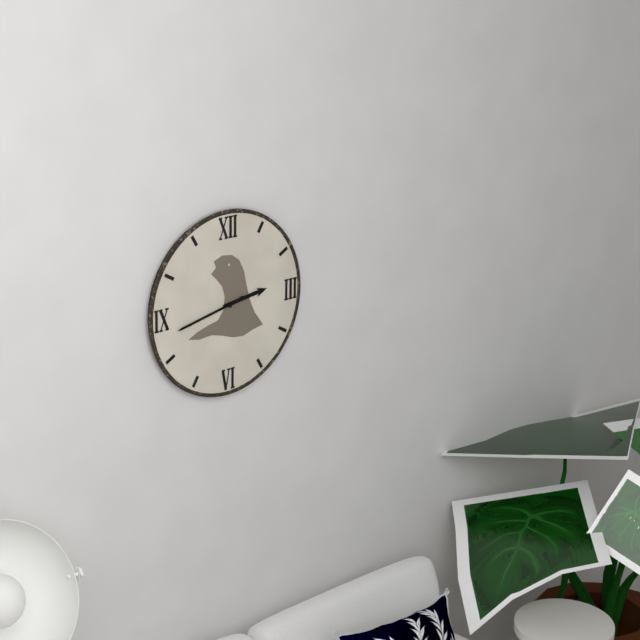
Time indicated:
2h43
